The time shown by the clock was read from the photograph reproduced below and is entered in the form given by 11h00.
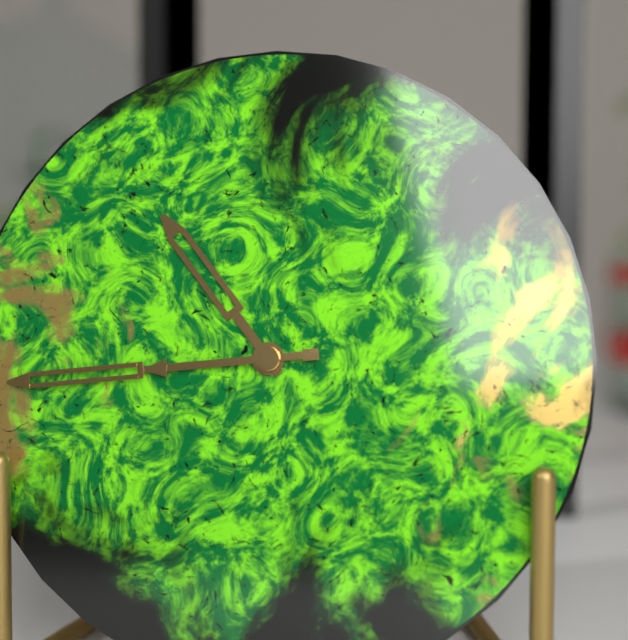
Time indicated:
10h44
